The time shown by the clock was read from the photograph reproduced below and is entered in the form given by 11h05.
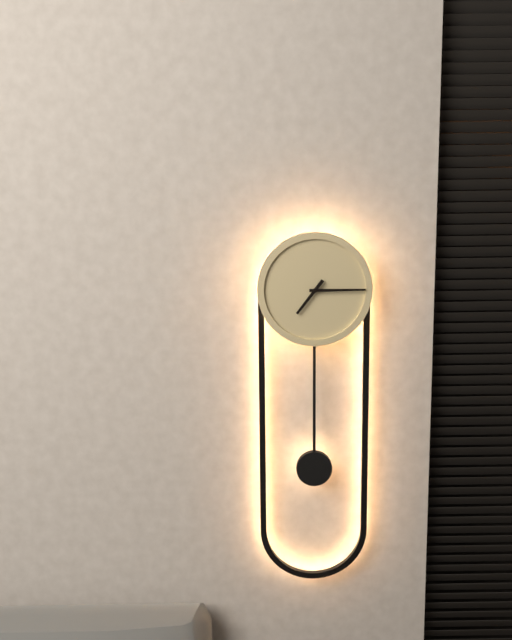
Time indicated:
7h15
